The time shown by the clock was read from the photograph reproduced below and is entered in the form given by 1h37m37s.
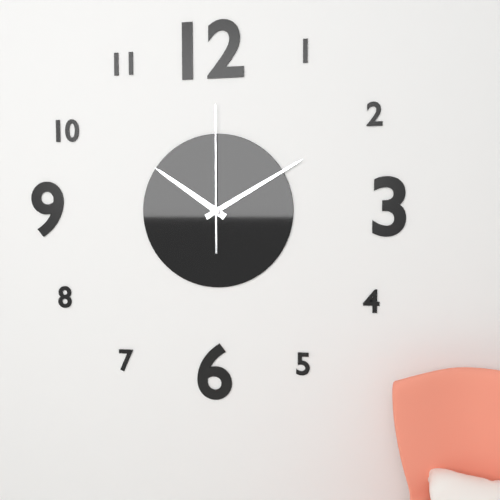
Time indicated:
10h10m00s
